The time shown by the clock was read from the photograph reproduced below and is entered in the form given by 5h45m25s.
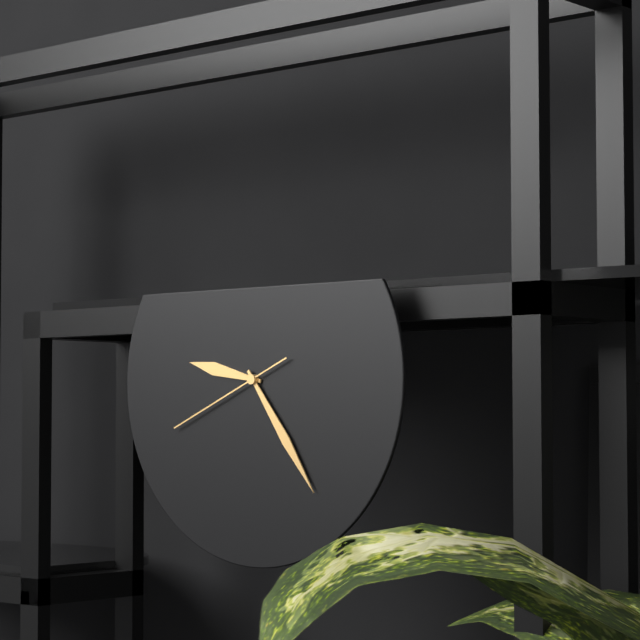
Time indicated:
9h24m41s
